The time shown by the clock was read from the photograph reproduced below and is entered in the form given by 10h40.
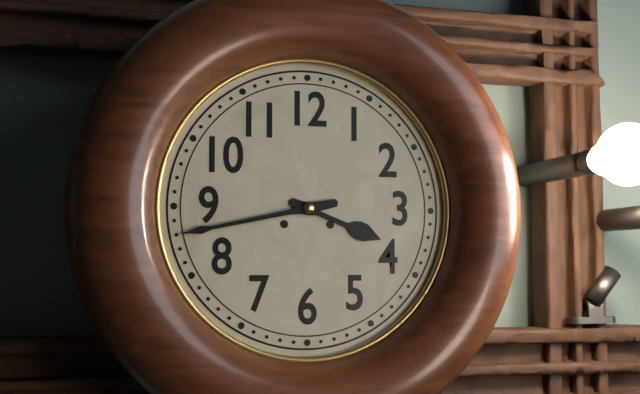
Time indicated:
3h43
